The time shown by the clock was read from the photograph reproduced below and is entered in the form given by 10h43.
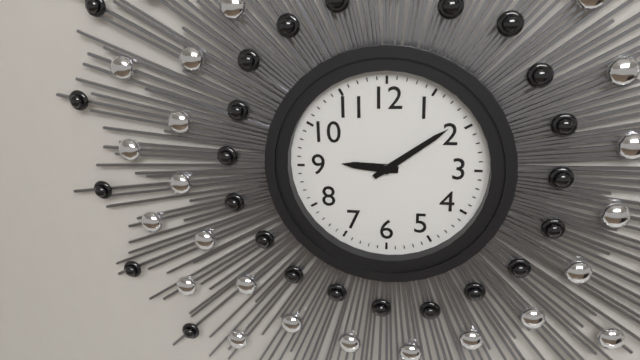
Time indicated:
9h09
